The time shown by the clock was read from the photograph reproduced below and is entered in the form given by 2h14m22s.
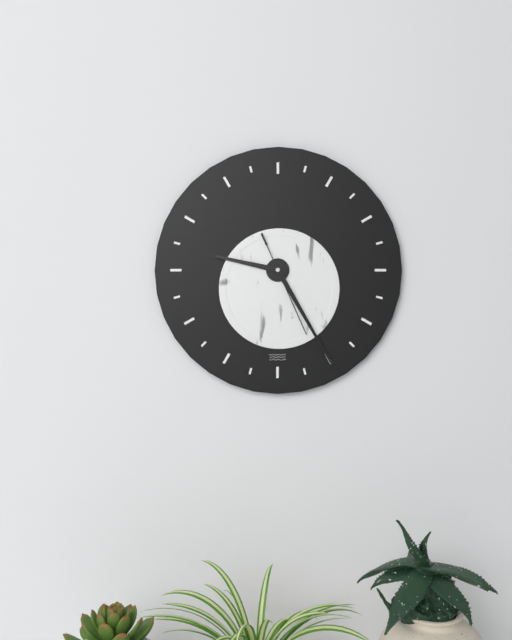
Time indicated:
9h25m26s
